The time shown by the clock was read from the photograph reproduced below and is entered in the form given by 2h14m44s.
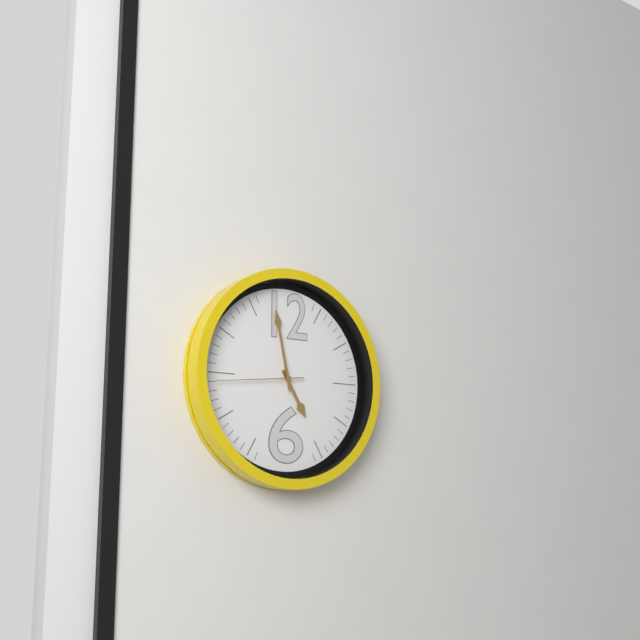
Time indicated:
4h58m44s
